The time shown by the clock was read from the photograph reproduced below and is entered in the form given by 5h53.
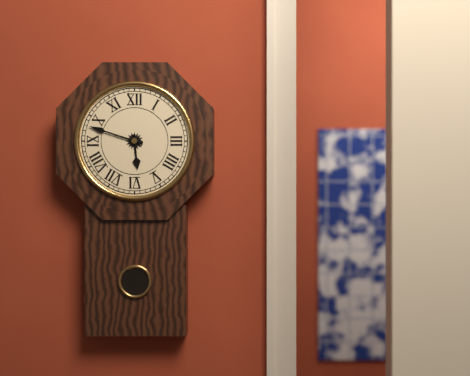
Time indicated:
5h48
